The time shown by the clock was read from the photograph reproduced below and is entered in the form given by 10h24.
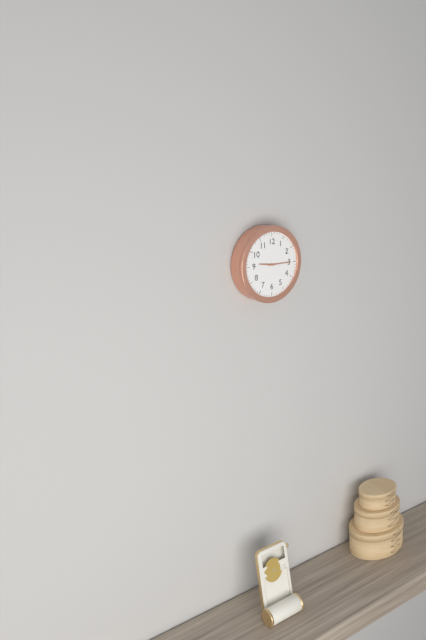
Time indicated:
9h15
